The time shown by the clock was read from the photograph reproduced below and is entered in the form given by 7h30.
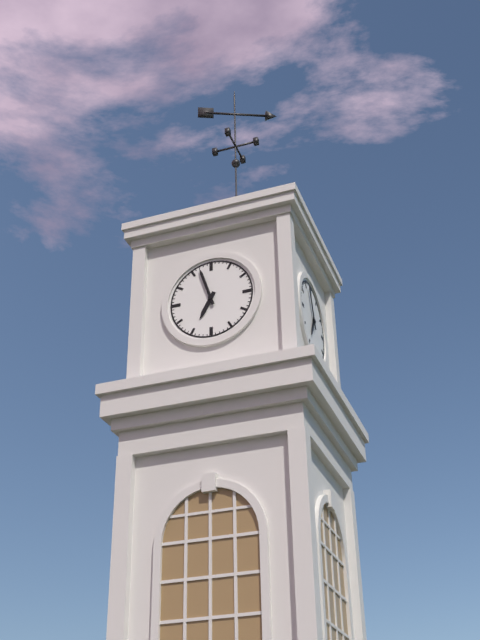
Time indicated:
6h57
